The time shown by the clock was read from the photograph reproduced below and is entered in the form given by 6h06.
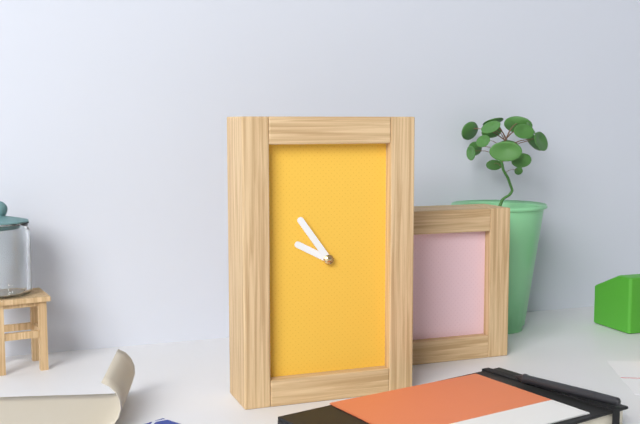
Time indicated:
9h54
